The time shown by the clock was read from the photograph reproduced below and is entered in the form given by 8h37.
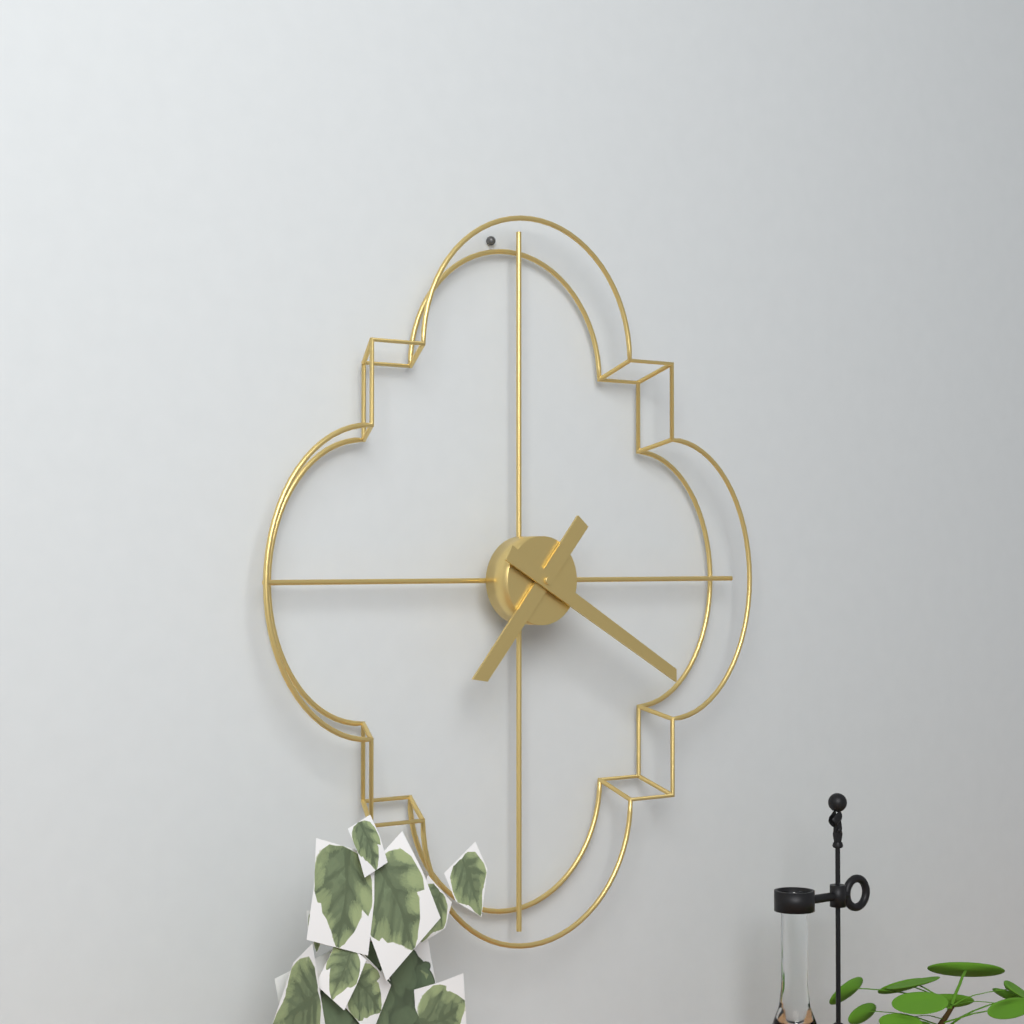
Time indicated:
7h20
